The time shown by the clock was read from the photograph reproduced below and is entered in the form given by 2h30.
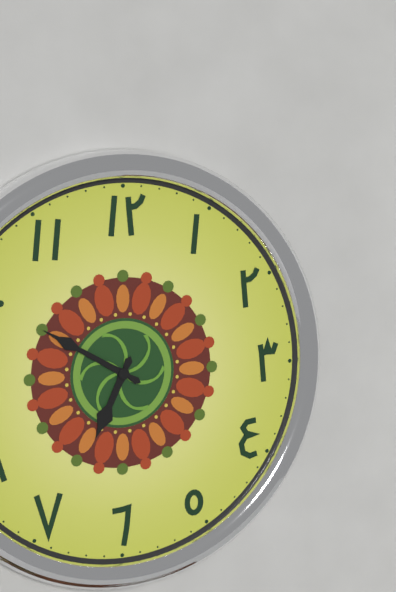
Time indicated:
6h50
